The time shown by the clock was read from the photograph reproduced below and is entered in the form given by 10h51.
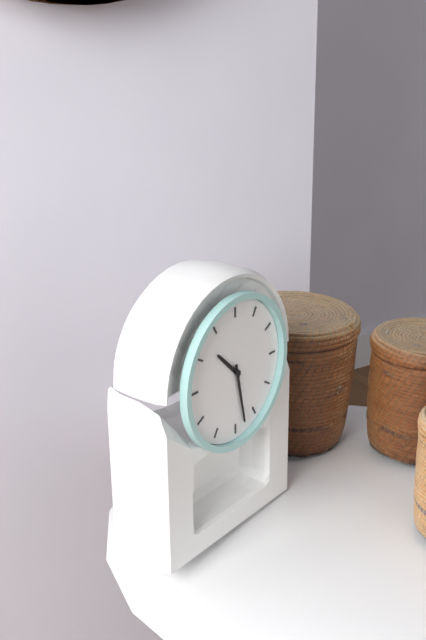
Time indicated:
10h28
